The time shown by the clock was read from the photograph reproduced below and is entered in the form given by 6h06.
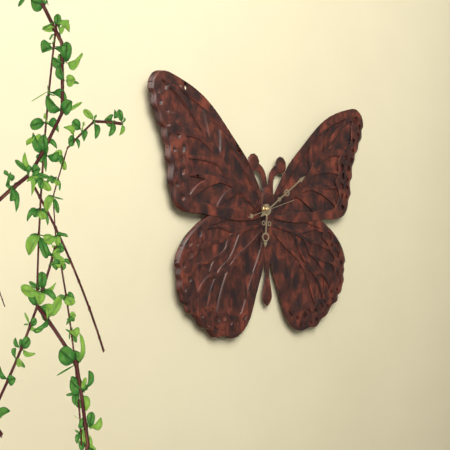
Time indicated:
6h09
